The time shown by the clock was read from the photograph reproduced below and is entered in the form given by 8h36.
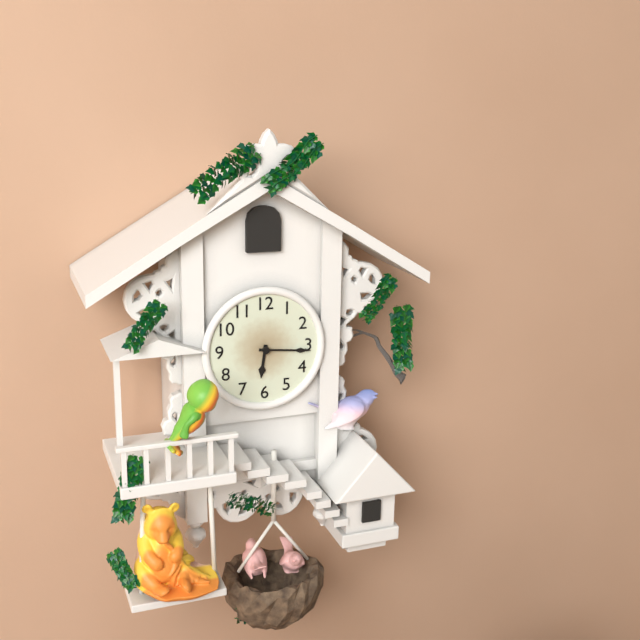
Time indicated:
6h16
